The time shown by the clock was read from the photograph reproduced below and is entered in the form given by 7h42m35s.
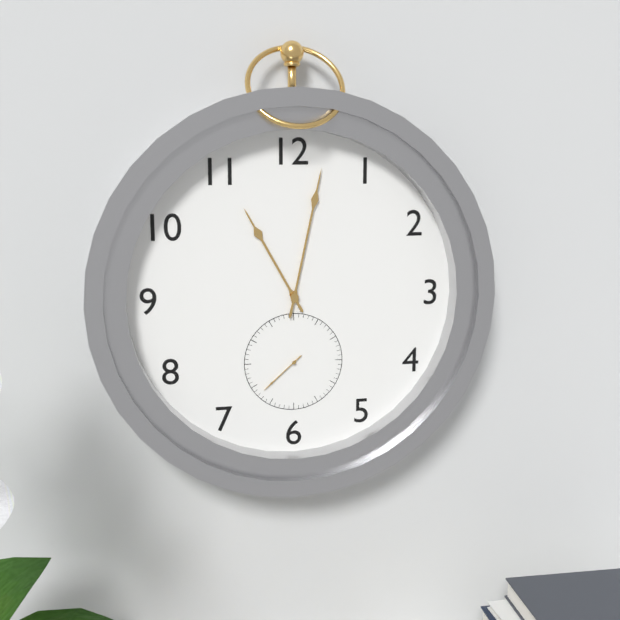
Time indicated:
11h02m38s
